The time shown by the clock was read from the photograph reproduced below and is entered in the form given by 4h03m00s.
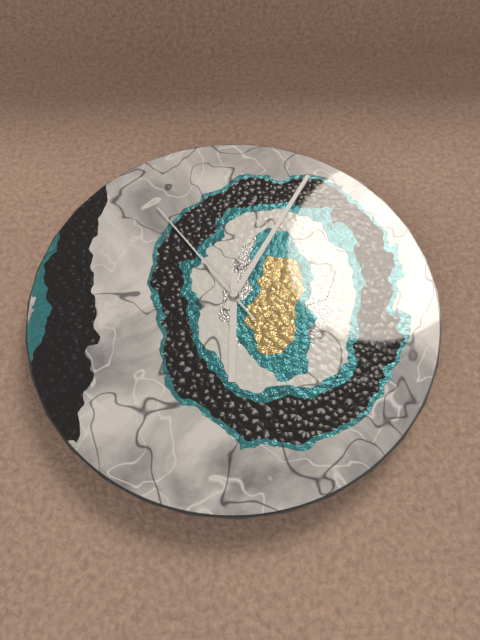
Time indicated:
6h05m54s
